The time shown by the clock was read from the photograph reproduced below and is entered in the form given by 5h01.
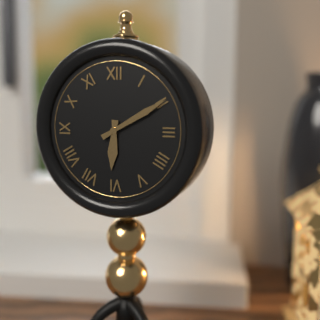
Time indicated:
6h10
